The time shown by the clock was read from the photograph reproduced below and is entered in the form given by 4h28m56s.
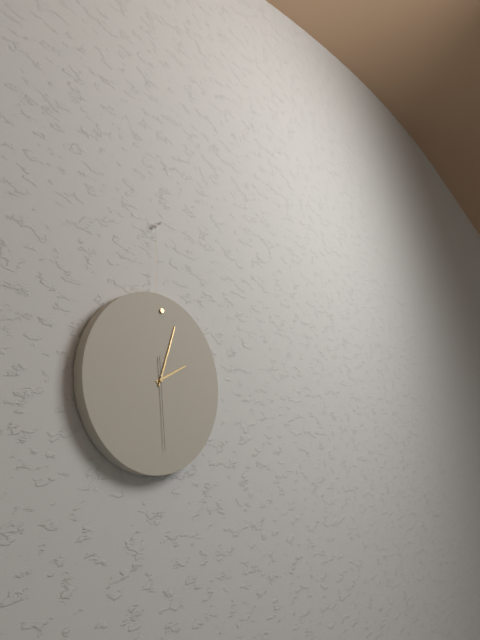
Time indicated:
2h03m29s
